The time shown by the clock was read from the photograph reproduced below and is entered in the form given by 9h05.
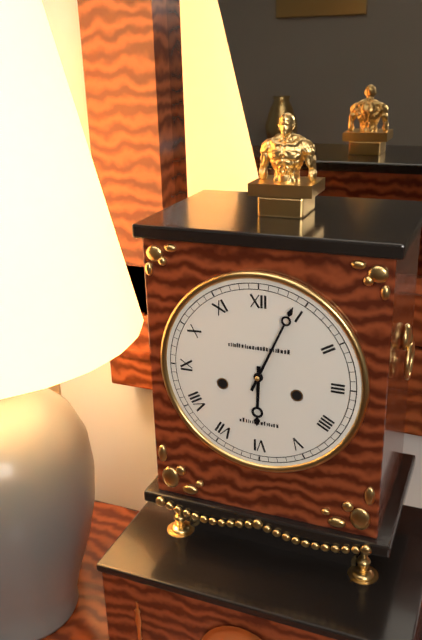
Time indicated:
6h04
